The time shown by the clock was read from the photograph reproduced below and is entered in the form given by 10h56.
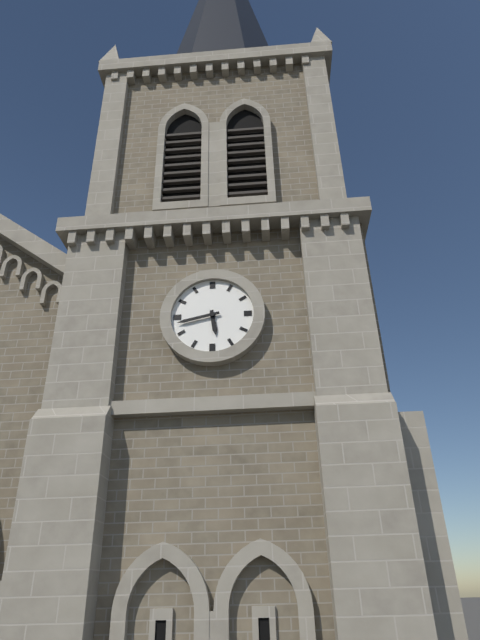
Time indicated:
5h43
